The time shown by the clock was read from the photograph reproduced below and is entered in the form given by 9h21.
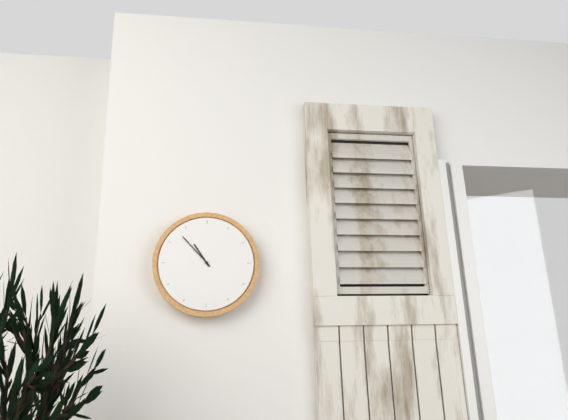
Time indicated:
10h53
